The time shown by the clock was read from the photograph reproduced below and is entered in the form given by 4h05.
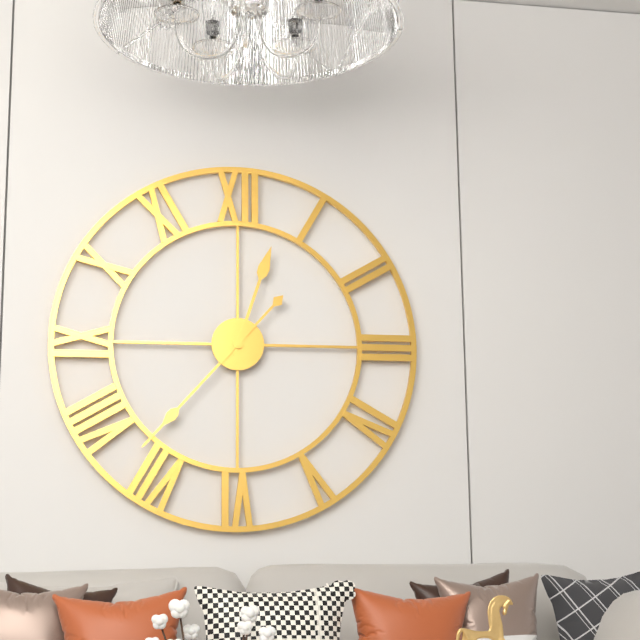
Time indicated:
12h37
